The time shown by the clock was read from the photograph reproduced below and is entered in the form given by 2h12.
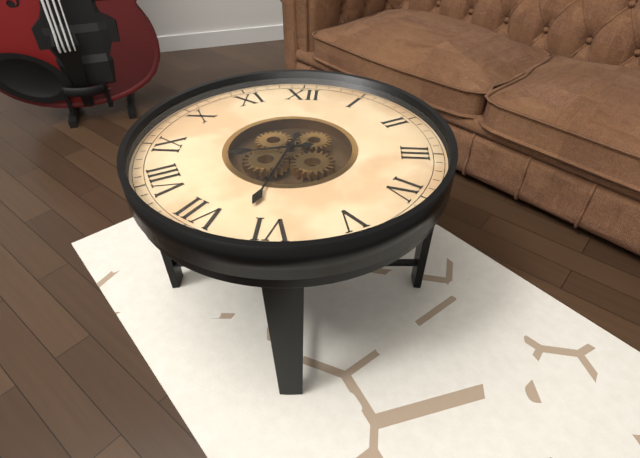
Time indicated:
8h32
